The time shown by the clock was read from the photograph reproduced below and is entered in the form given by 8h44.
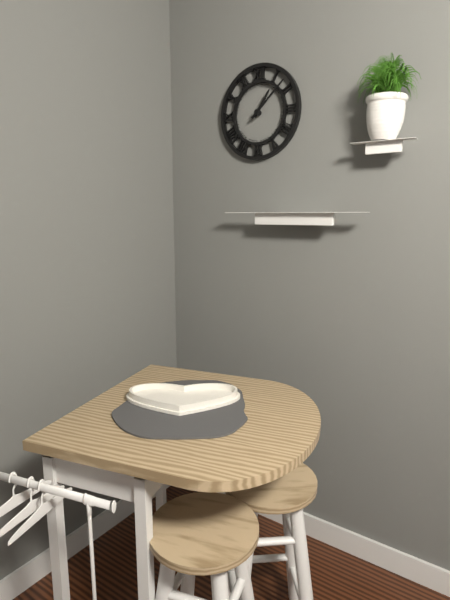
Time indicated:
1h08
